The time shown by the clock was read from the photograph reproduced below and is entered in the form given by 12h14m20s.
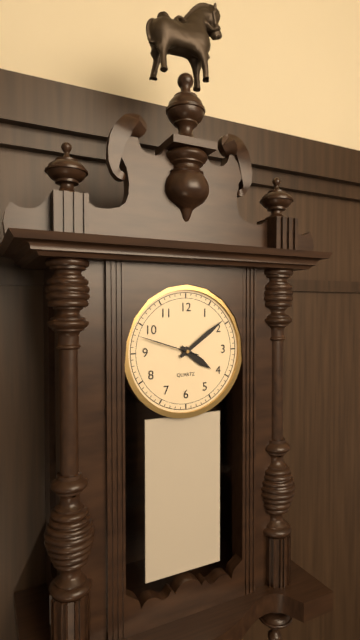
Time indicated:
4h09m48s
